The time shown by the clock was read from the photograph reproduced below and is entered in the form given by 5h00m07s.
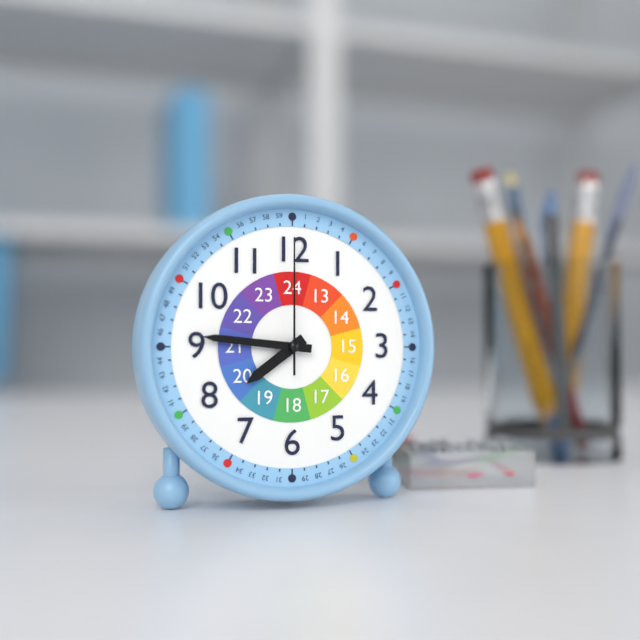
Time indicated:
7h46m00s
